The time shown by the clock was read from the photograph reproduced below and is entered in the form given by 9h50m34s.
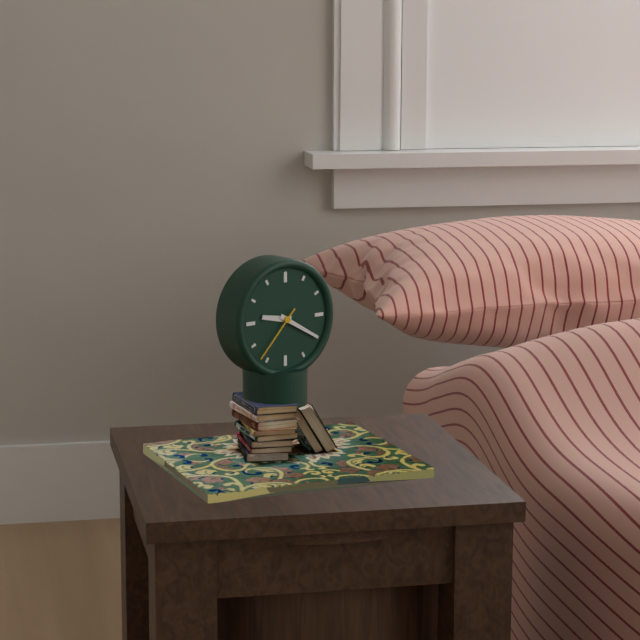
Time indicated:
9h20m37s
